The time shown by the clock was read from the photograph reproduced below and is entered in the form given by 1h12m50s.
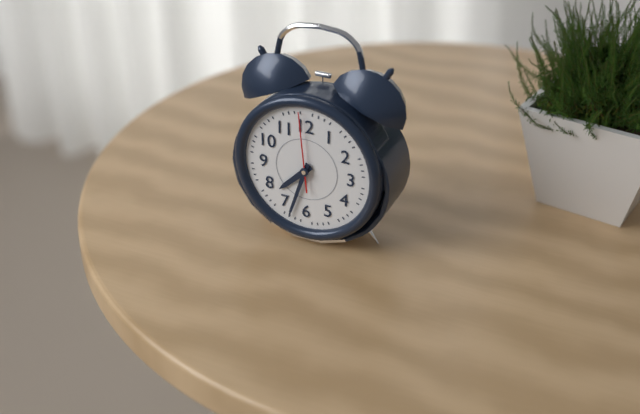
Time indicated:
7h33m59s
